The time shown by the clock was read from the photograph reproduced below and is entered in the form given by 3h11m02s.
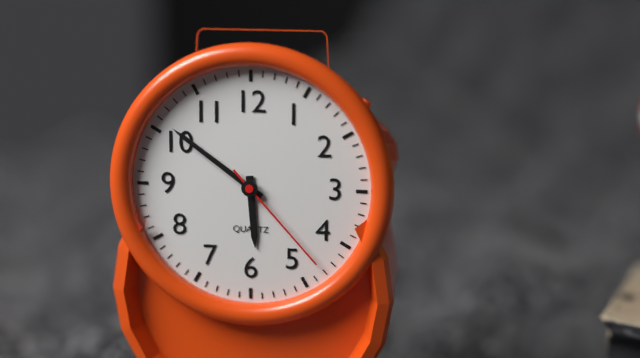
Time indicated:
5h51m23s
